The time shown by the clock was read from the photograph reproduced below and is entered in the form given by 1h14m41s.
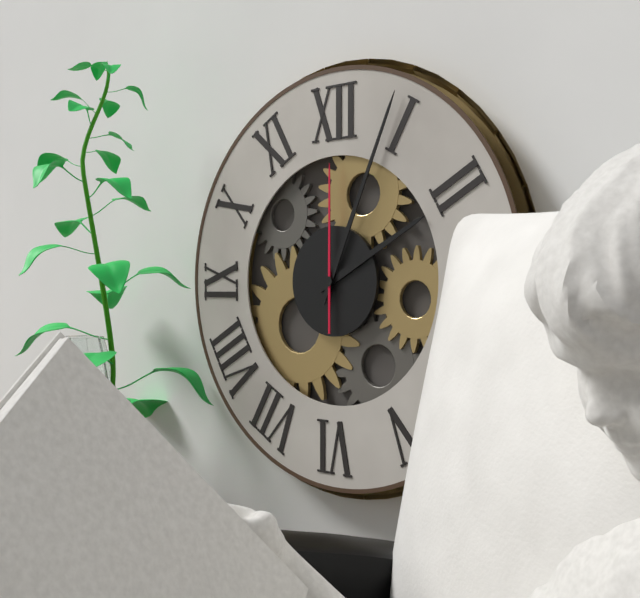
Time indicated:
2h04m00s
